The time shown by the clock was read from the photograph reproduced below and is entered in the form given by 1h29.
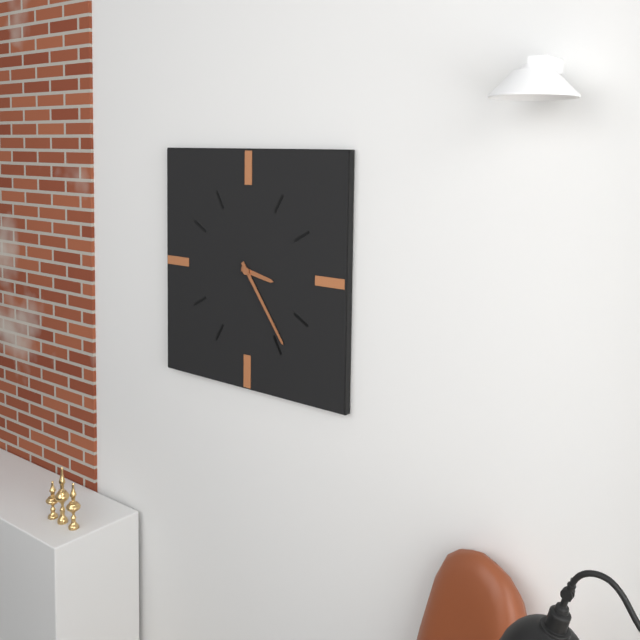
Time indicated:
3h24
